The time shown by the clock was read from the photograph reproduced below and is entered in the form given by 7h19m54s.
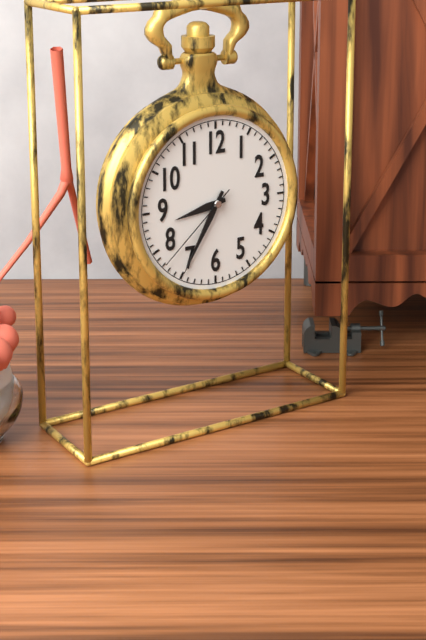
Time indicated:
8h35m38s
